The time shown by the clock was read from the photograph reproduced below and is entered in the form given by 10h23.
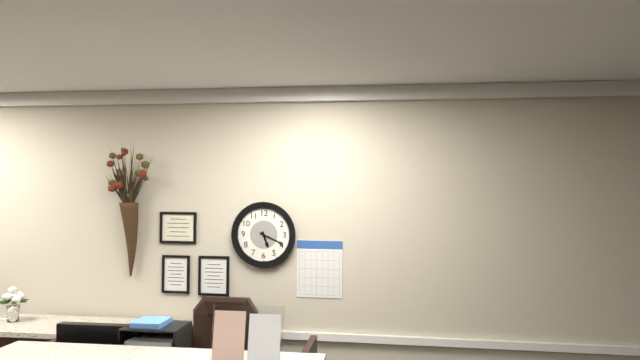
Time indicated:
5h19
